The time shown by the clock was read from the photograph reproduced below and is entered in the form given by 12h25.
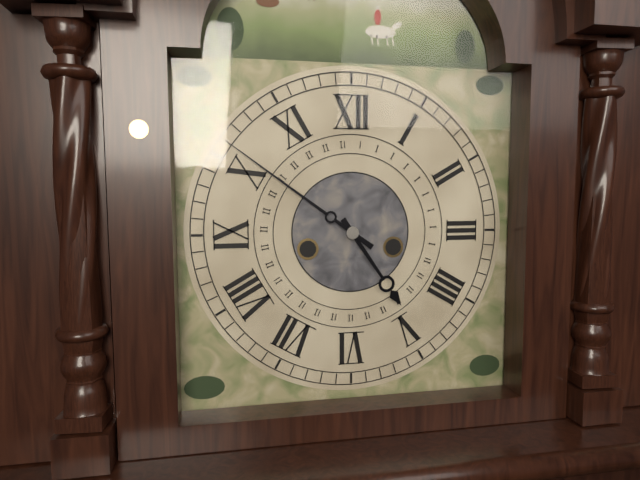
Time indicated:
4h51
